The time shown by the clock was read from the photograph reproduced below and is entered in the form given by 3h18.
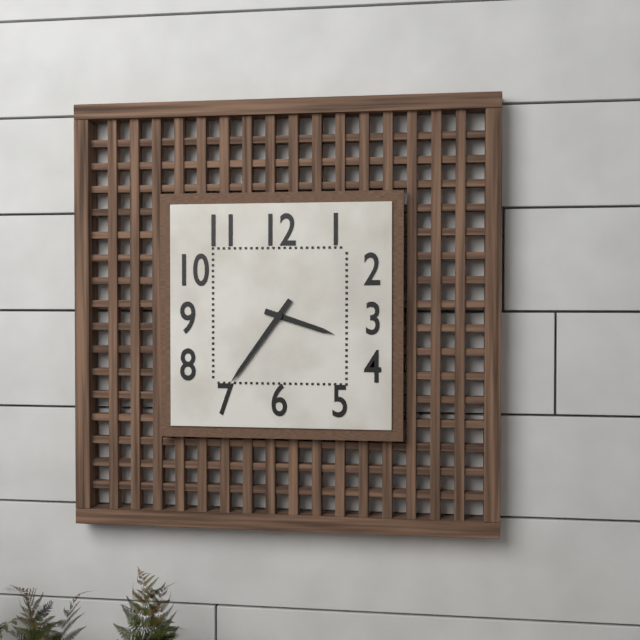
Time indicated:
3h36
